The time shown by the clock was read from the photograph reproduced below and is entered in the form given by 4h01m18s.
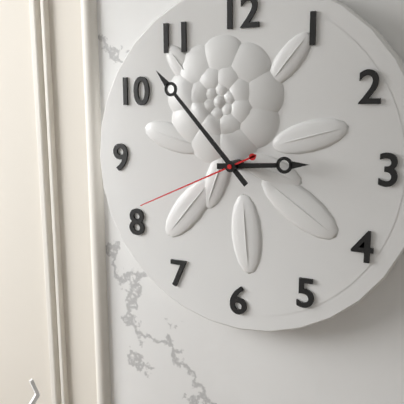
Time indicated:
2h53m41s
